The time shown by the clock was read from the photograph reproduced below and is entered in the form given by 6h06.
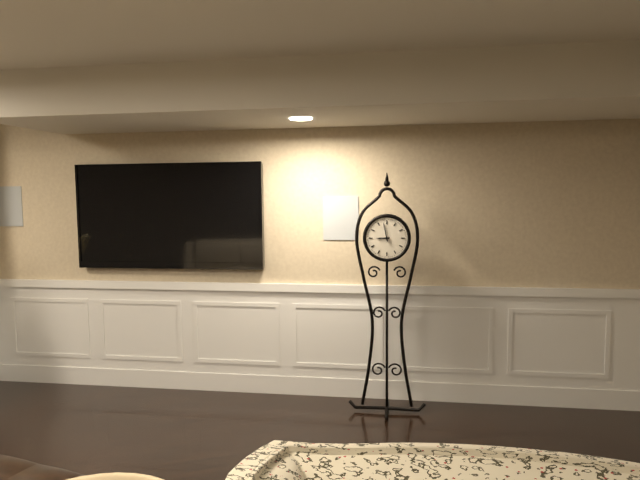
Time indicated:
8h58
